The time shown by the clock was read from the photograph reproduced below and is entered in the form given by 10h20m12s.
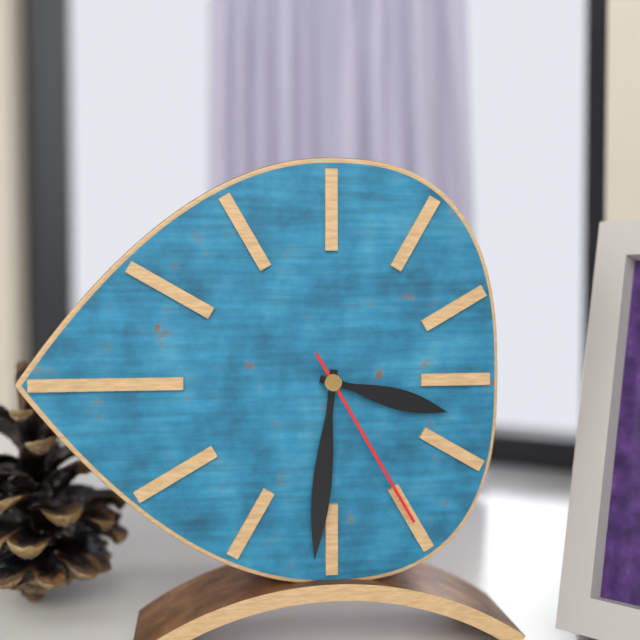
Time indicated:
3h31m25s
